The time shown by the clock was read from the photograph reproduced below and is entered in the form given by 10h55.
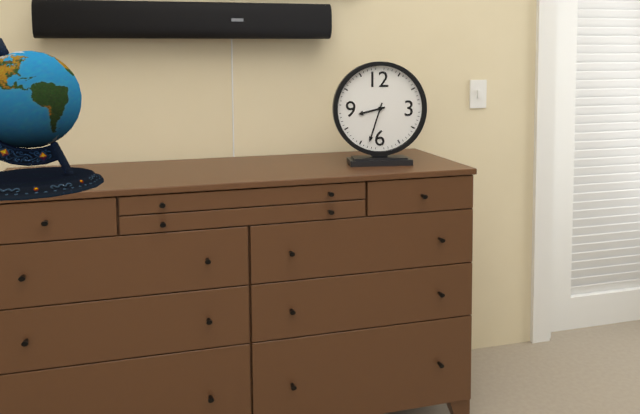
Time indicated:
8h33
